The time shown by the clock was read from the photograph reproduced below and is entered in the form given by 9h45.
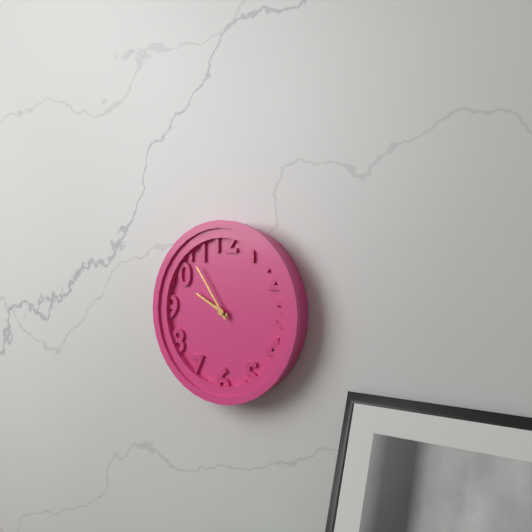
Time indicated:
9h54
